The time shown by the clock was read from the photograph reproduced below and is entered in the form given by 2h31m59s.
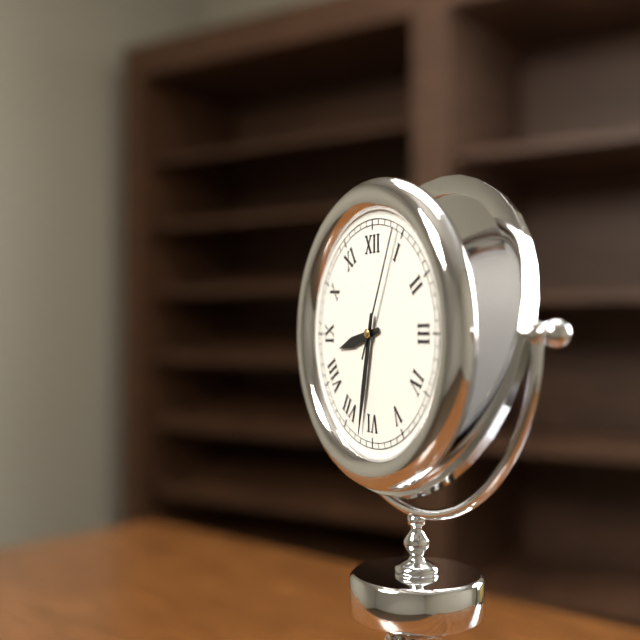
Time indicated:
8h32m04s
